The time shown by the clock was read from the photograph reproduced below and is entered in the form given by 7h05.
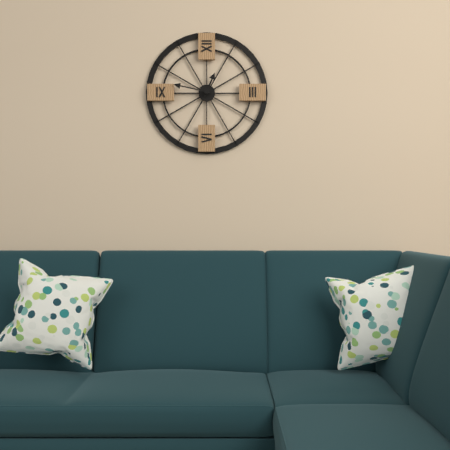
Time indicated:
12h47
